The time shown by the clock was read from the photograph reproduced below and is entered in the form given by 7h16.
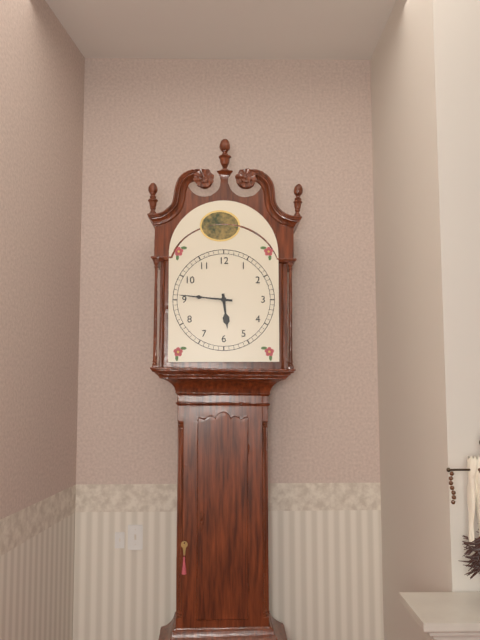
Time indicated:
5h46
